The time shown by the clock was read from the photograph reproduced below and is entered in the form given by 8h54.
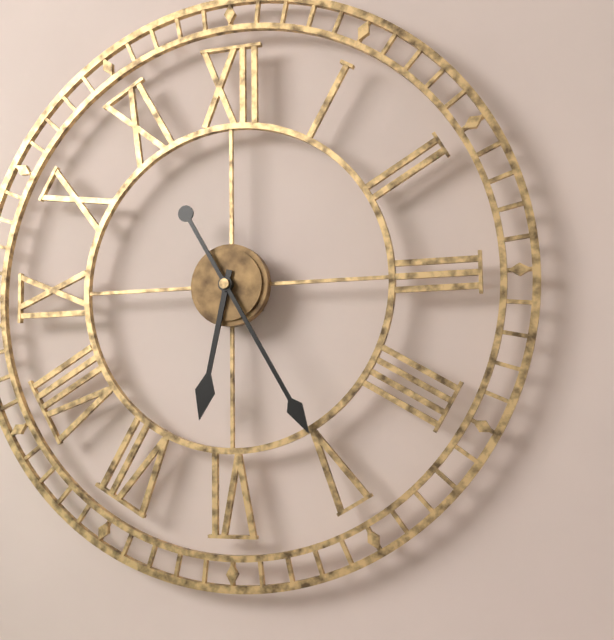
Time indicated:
6h25
